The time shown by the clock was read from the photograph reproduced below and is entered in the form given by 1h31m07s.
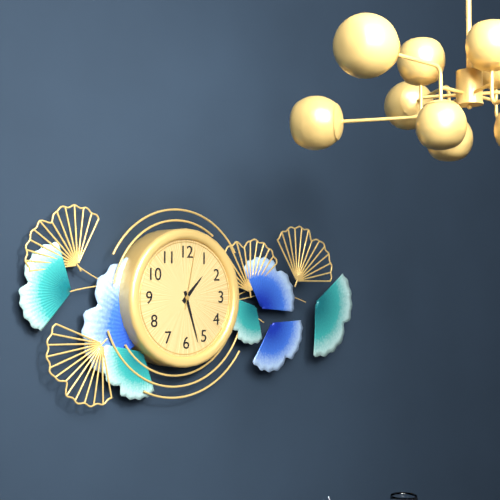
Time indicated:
1h27m02s
